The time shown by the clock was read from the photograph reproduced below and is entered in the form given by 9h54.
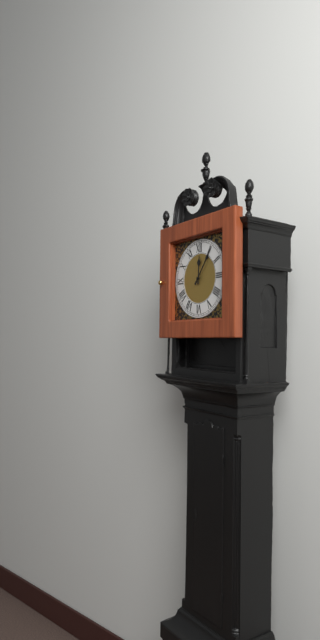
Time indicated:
12h06
